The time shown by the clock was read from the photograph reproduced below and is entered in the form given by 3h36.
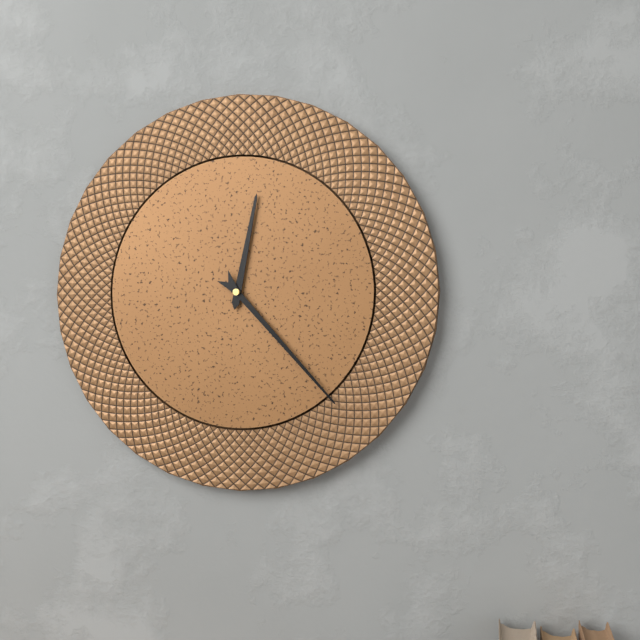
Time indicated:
12h23
